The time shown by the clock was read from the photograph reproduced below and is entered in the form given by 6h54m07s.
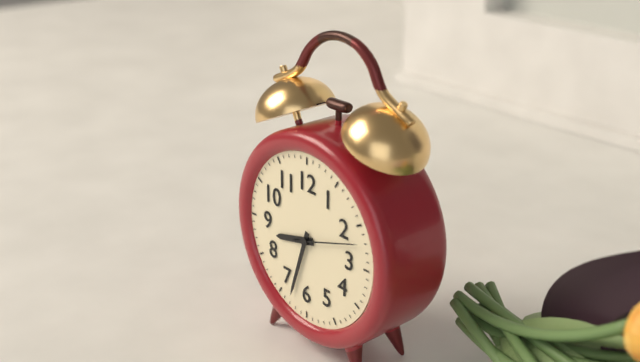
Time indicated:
8h33m12s
